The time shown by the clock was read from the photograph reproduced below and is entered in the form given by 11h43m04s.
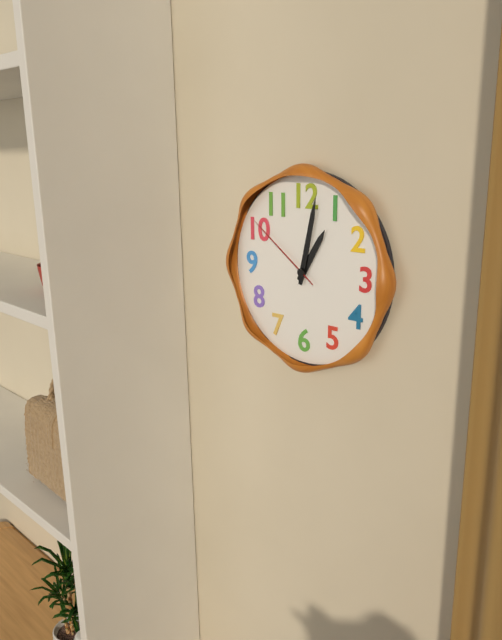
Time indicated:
1h02m51s
